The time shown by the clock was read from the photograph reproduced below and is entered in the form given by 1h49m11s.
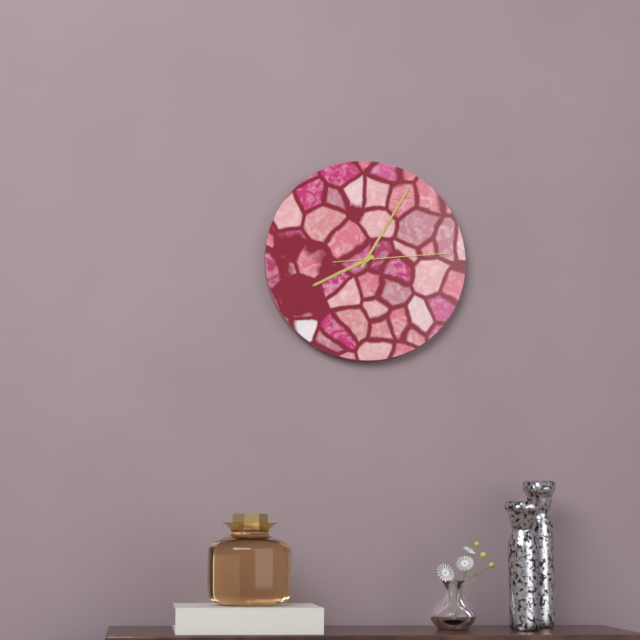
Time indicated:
8h05m14s
